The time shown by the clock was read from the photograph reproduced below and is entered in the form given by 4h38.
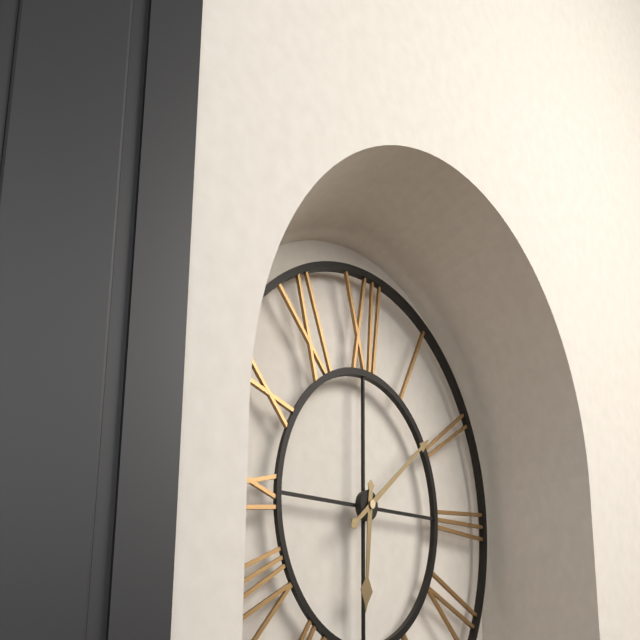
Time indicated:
6h09
